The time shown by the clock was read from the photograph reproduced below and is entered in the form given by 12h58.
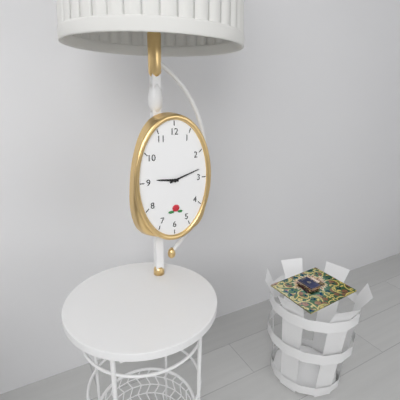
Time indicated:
9h12
